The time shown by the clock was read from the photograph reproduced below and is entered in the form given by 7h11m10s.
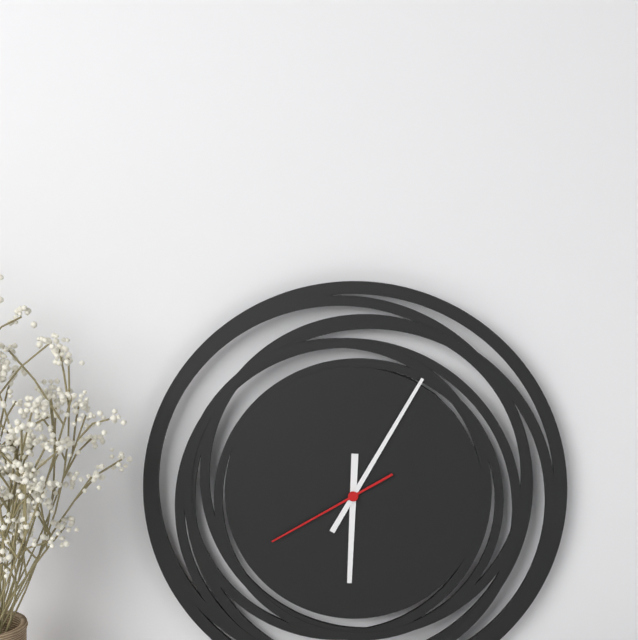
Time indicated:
6h05m40s
